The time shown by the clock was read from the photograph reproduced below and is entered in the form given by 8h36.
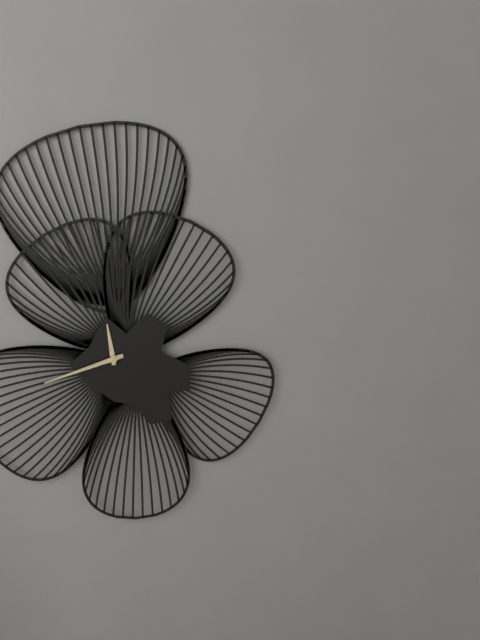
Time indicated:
11h42
